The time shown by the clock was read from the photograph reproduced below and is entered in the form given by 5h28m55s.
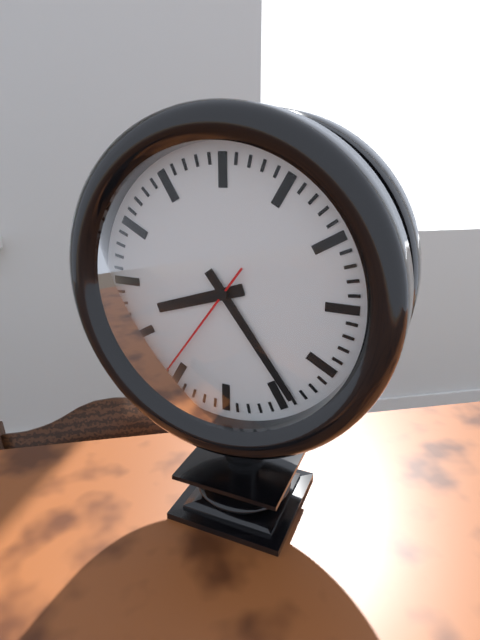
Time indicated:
8h24m36s
